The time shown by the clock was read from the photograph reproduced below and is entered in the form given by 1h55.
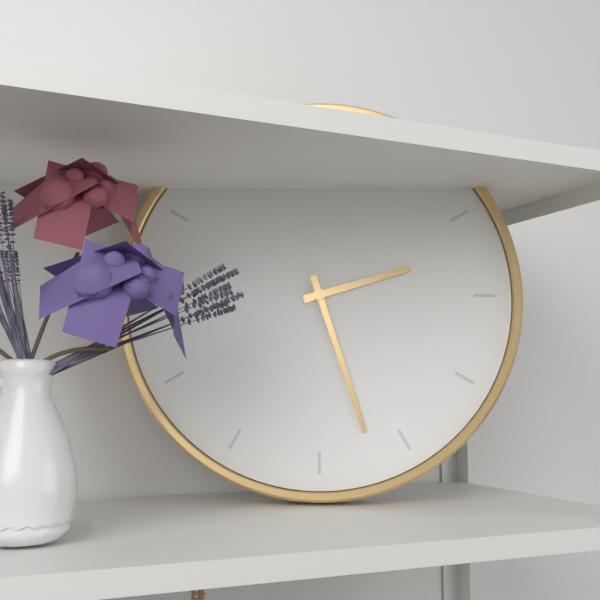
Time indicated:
2h27
